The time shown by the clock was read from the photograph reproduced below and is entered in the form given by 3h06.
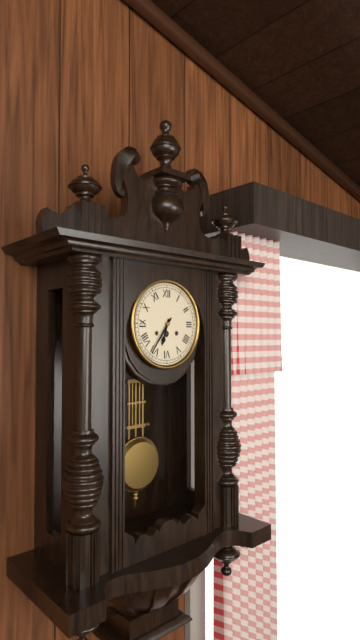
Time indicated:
6h36
